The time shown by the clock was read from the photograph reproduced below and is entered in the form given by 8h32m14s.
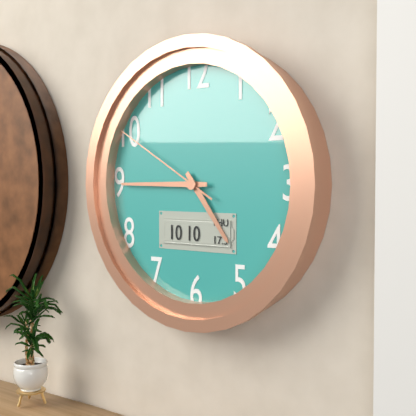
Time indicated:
4h45m50s
